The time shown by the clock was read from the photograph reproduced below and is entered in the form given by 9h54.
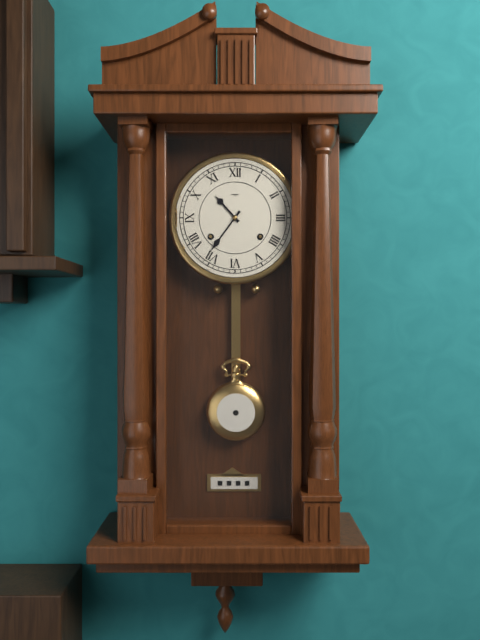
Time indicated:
10h36
